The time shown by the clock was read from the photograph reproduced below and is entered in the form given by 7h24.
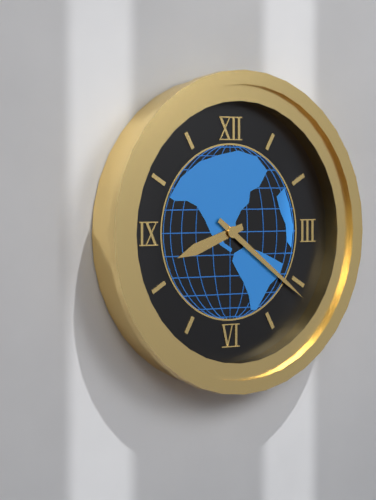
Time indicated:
8h21
